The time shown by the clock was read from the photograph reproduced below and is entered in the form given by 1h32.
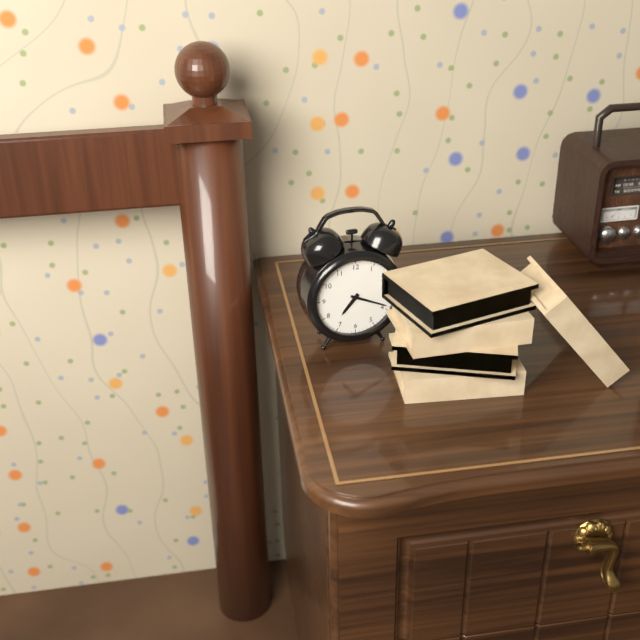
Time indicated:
7h19
